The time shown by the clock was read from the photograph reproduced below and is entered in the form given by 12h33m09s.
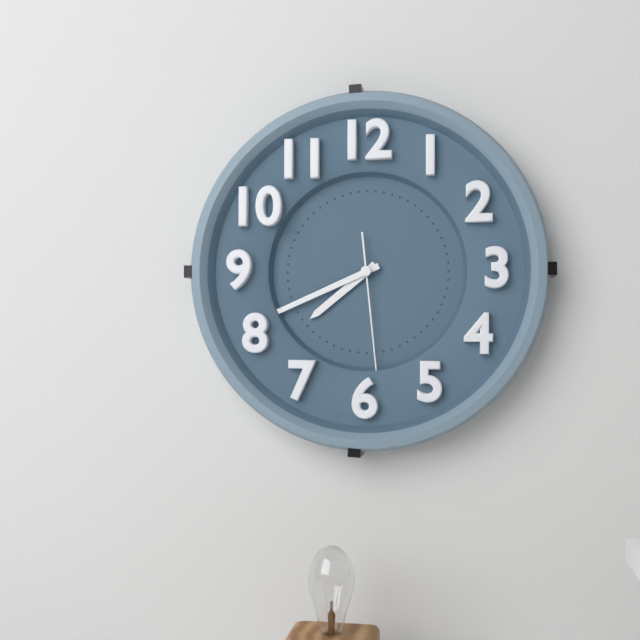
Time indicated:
7h41m29s
